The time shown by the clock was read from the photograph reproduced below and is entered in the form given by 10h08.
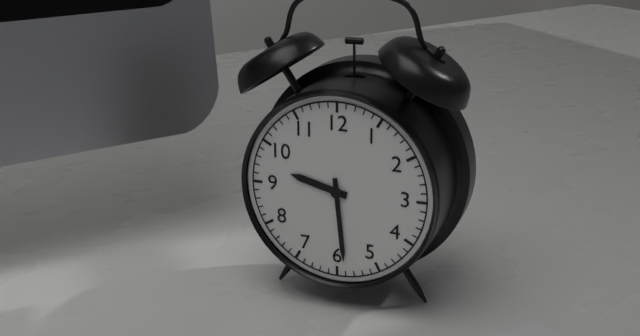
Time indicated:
9h29
